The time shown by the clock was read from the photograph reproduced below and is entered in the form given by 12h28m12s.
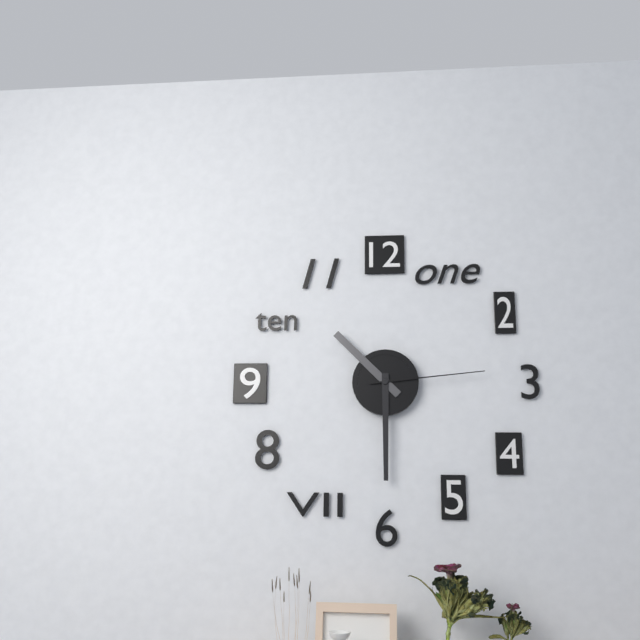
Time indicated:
10h30m14s
